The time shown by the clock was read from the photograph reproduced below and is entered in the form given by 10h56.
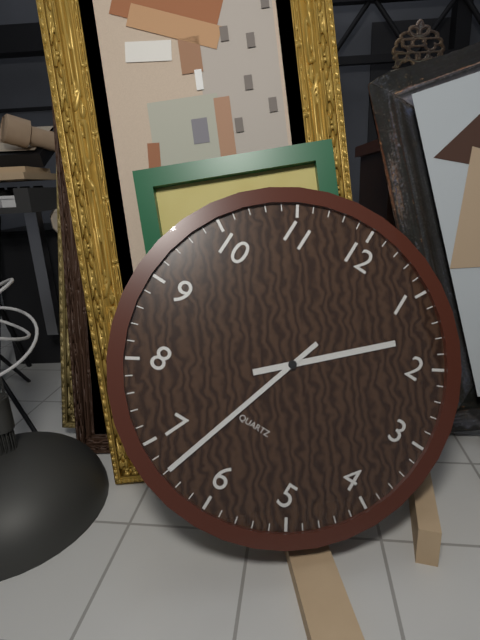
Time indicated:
1h33
